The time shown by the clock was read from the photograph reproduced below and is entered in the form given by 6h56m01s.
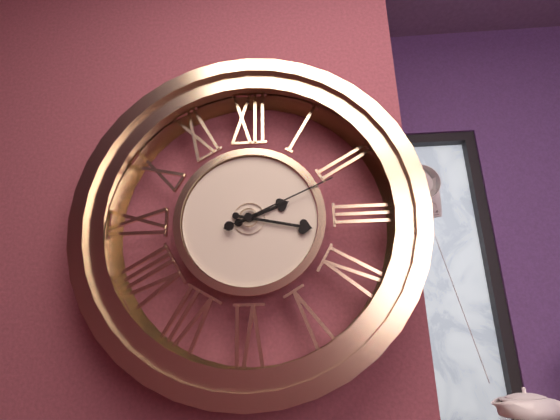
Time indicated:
2h17m11s
